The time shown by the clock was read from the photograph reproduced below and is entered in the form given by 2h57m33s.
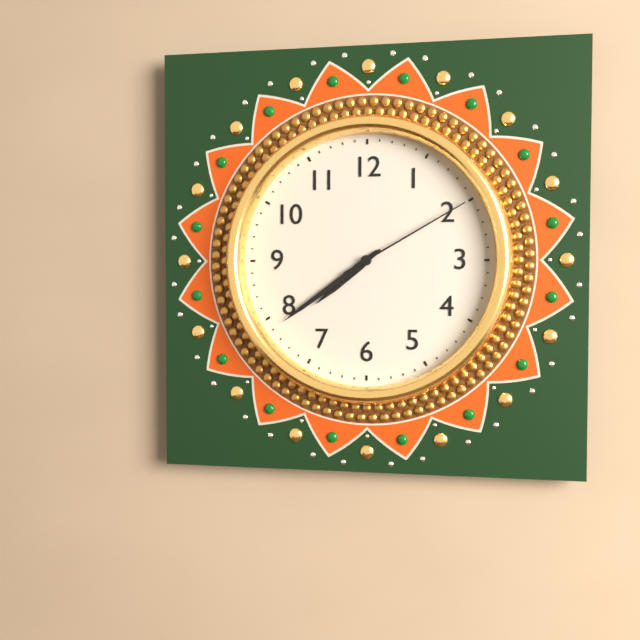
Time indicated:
7h39m10s
